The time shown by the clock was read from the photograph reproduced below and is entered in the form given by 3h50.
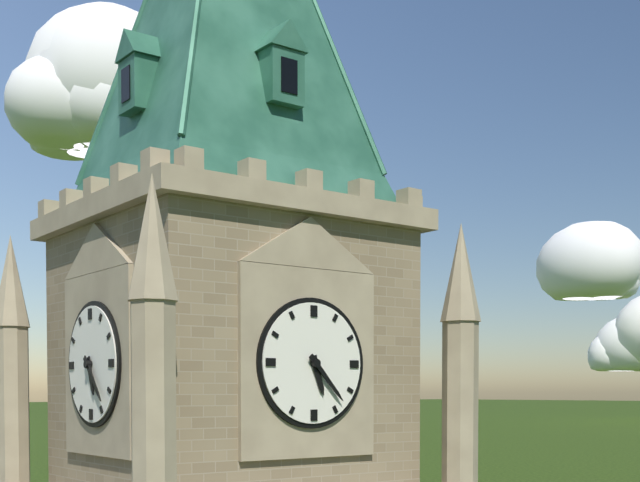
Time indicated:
5h23
